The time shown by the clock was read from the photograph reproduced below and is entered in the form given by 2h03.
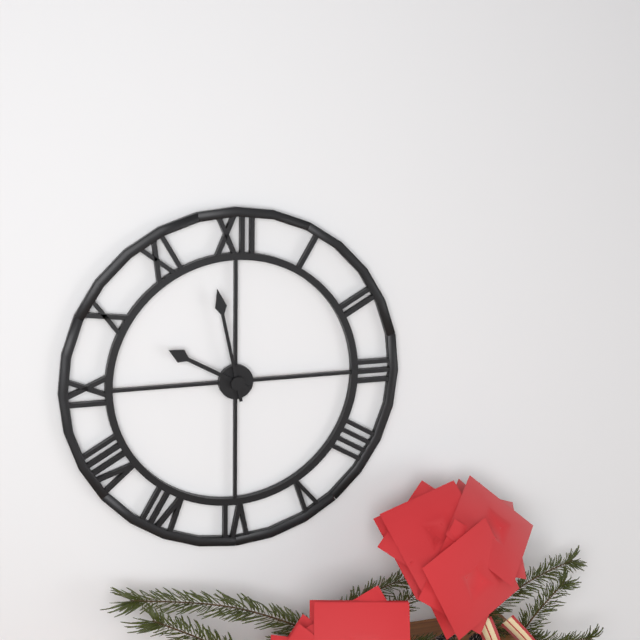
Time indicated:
9h58
